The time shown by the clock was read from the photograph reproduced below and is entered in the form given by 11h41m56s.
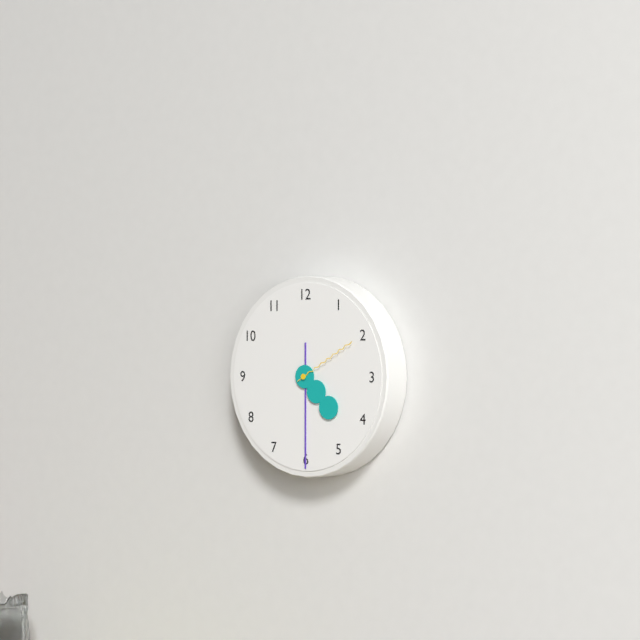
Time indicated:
4h30m10s
